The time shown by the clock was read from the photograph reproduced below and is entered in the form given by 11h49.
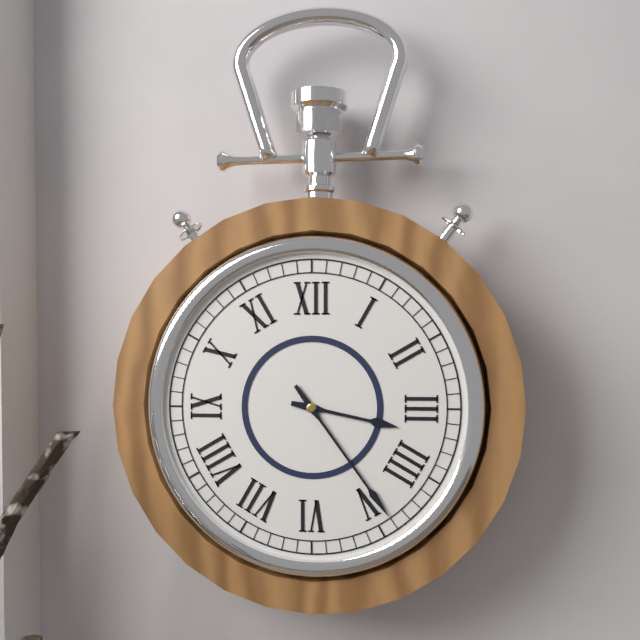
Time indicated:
3h24
